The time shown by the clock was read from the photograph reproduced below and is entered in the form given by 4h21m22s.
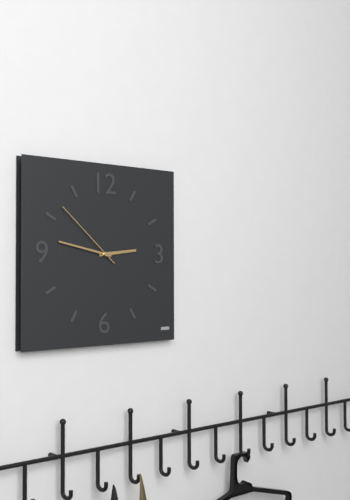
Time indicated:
2h47m52s
